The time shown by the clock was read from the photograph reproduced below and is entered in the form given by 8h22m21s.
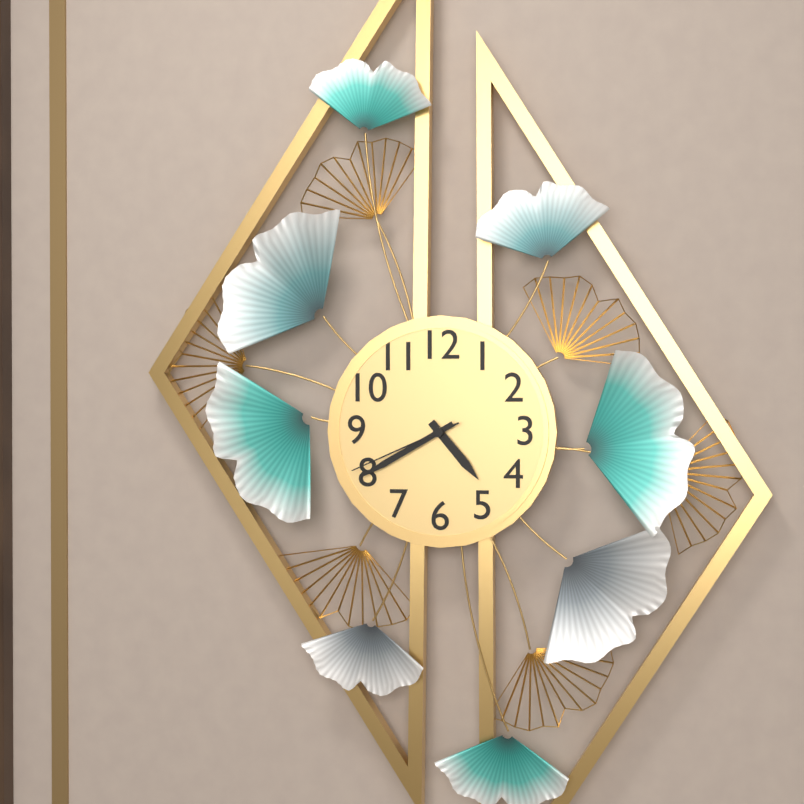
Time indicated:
4h40m41s
